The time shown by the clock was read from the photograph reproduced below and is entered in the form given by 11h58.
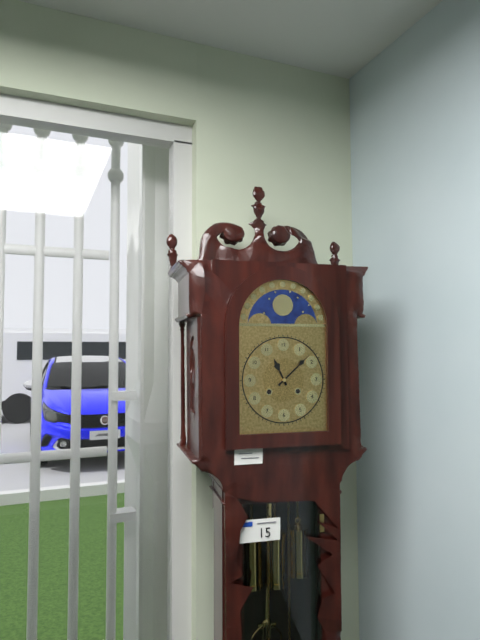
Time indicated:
11h08
